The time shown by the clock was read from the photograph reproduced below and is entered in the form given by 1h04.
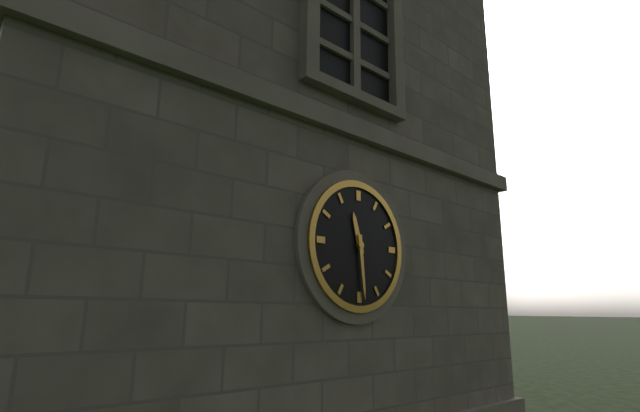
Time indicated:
11h29
